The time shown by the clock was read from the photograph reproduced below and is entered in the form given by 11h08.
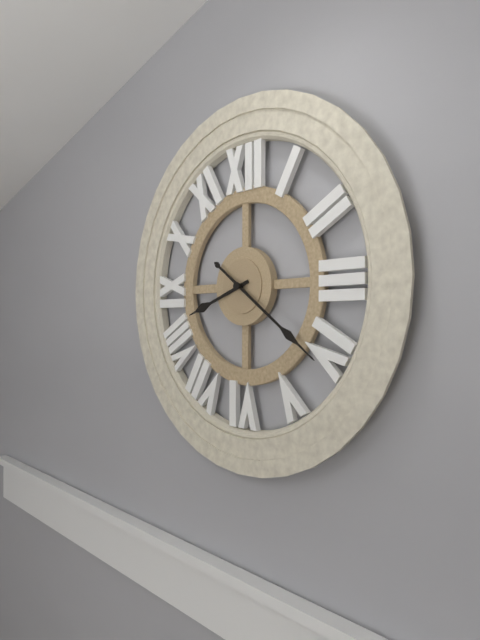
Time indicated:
8h21
